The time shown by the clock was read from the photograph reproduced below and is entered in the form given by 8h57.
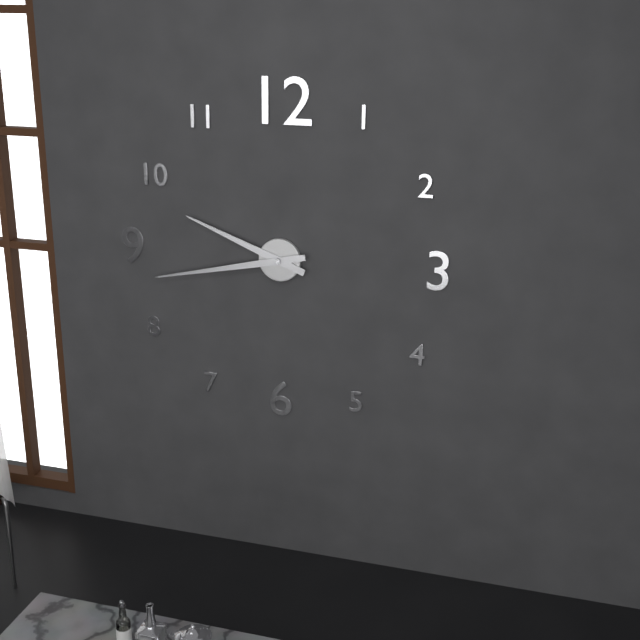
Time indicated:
9h43
